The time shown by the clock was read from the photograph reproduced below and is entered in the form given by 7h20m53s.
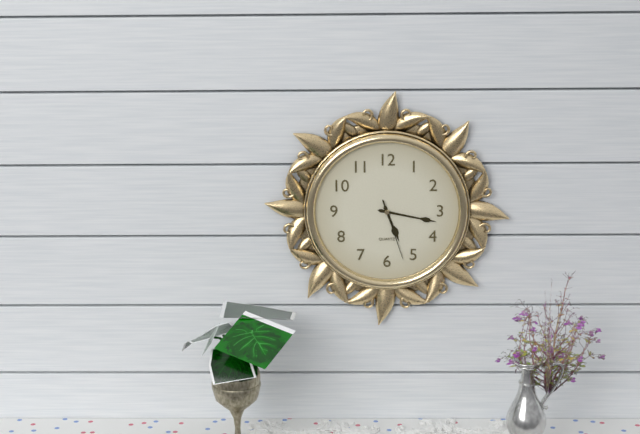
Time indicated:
5h17m27s
